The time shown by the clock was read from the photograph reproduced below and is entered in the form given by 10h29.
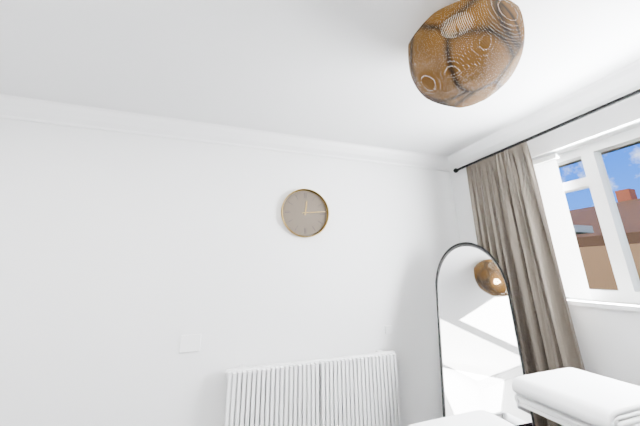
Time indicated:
12h14
